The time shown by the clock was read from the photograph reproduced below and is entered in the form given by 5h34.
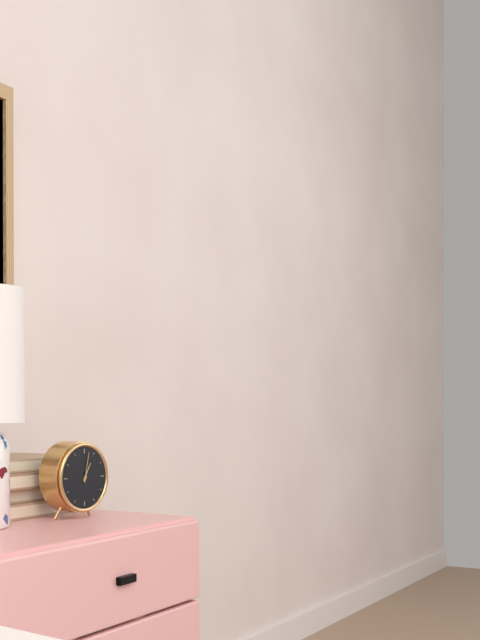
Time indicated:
1h02
